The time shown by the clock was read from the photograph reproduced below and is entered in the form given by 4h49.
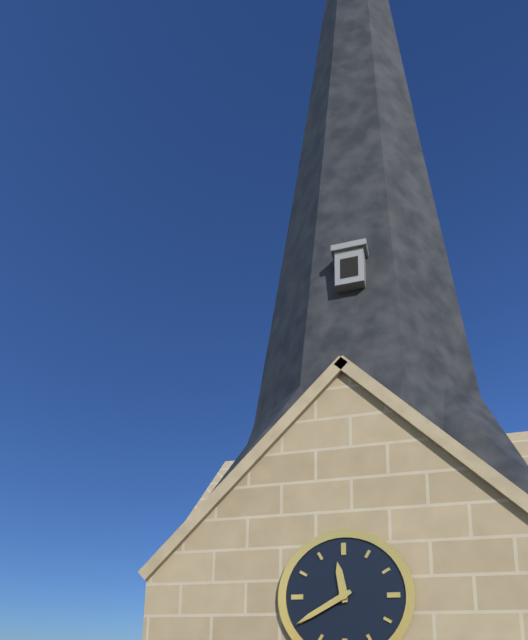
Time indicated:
11h40
